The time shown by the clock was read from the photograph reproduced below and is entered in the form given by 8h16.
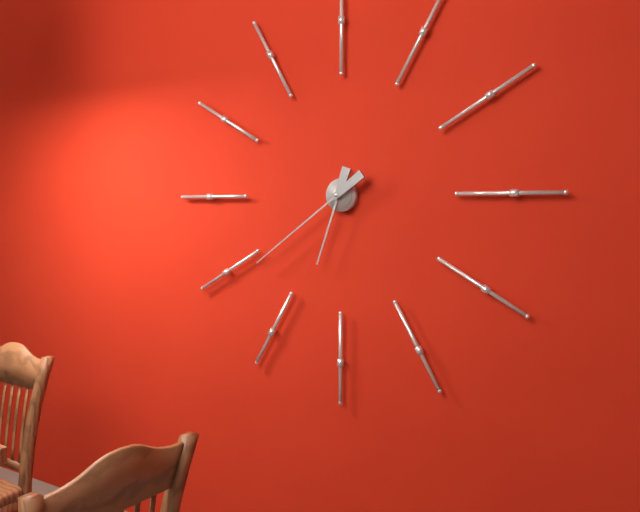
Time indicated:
6h39
